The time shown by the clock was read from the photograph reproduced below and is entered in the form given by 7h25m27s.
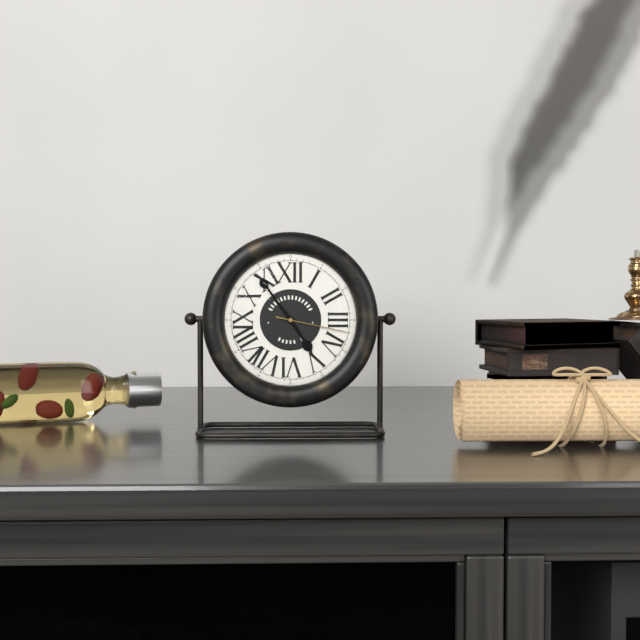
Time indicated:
4h54m17s
